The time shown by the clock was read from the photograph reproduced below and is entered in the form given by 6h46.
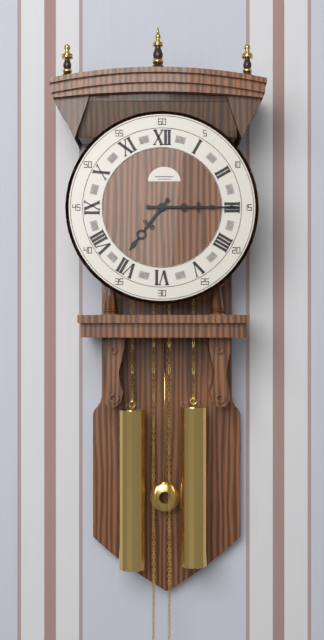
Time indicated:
7h15
